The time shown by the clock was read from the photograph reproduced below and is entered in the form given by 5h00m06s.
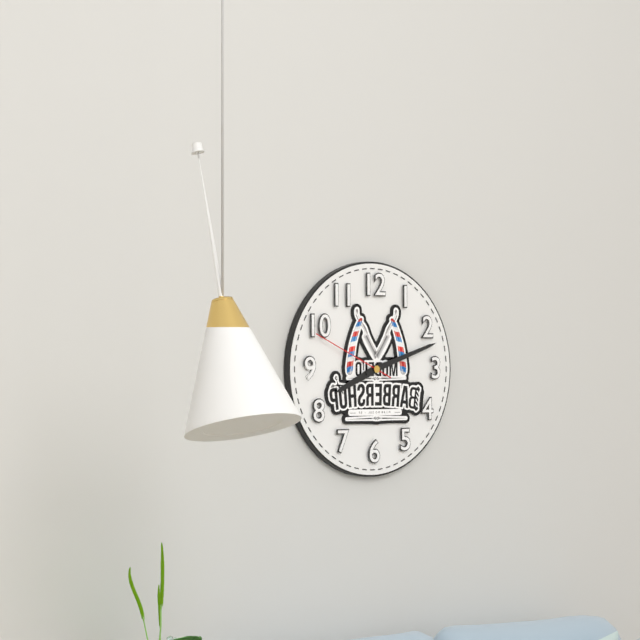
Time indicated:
8h12m49s
